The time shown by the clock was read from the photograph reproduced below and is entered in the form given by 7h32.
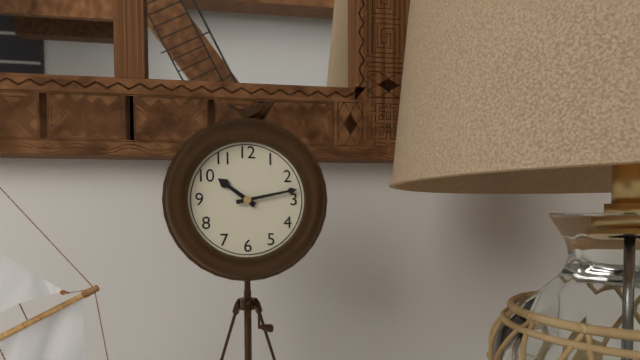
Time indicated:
10h13
